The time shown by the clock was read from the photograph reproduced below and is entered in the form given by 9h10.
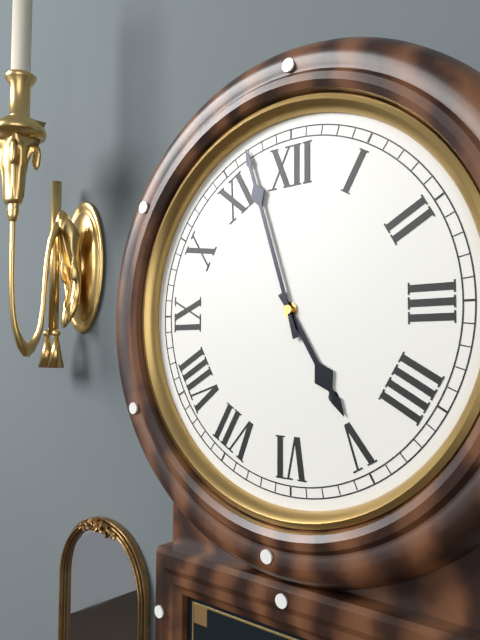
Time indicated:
4h57
